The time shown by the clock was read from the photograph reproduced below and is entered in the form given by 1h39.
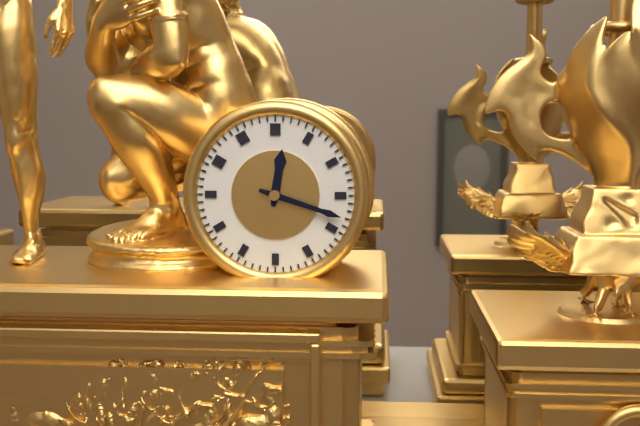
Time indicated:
12h18
